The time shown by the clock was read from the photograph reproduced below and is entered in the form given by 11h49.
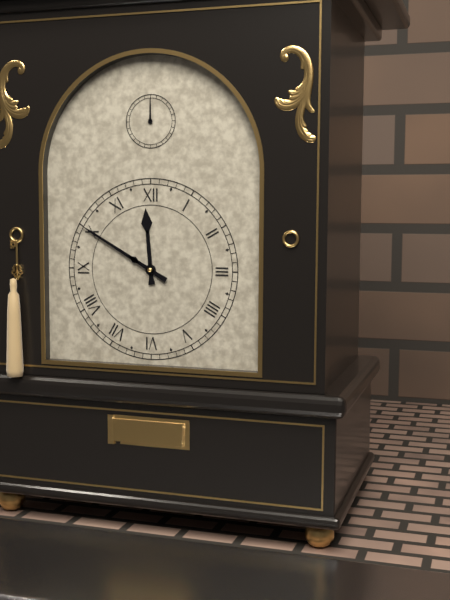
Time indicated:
11h50
